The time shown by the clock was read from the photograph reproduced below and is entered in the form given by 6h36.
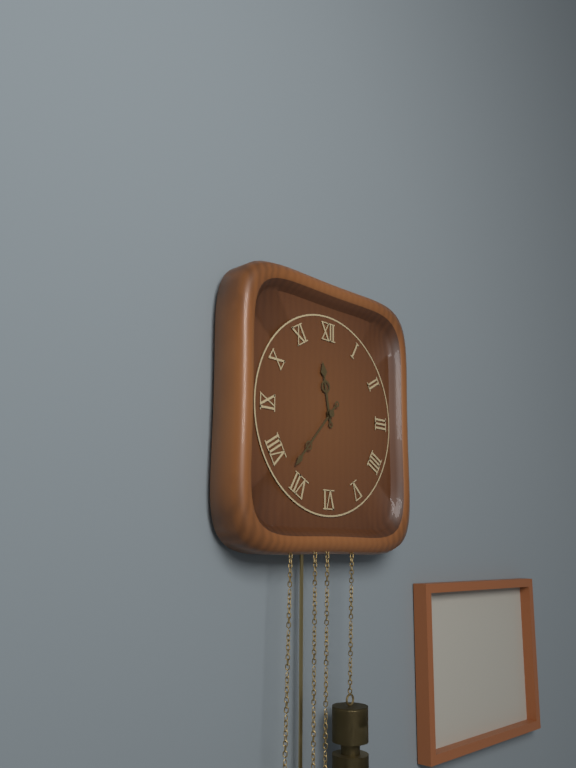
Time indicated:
11h37
